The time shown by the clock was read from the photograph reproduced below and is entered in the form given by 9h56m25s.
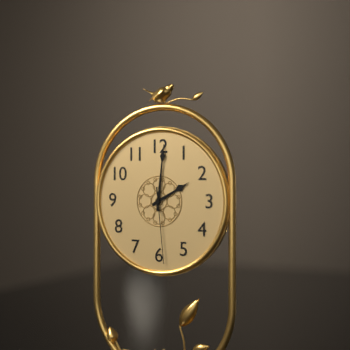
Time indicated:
2h01m29s
